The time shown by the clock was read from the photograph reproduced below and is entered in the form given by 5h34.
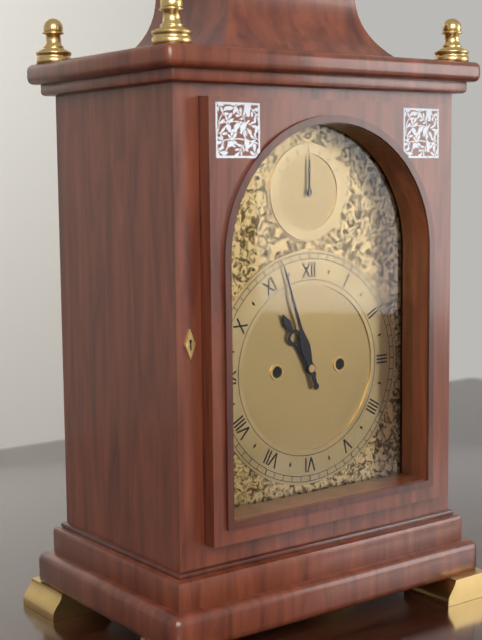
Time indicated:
10h57
